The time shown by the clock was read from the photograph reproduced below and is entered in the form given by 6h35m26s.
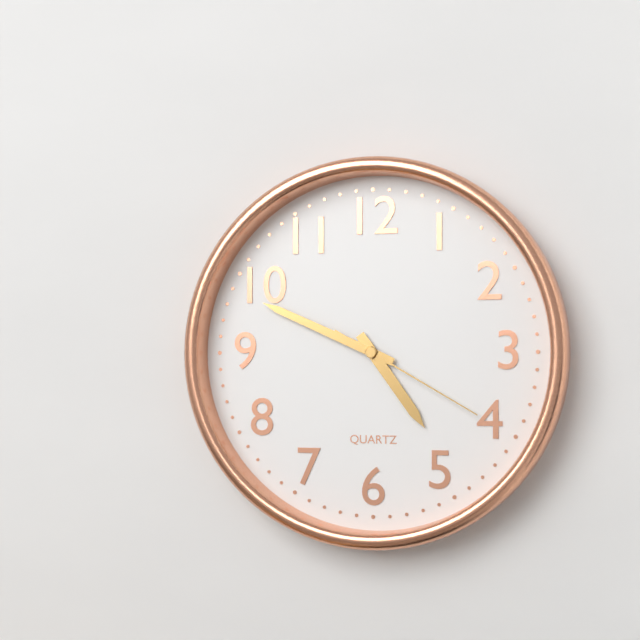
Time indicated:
4h49m20s
